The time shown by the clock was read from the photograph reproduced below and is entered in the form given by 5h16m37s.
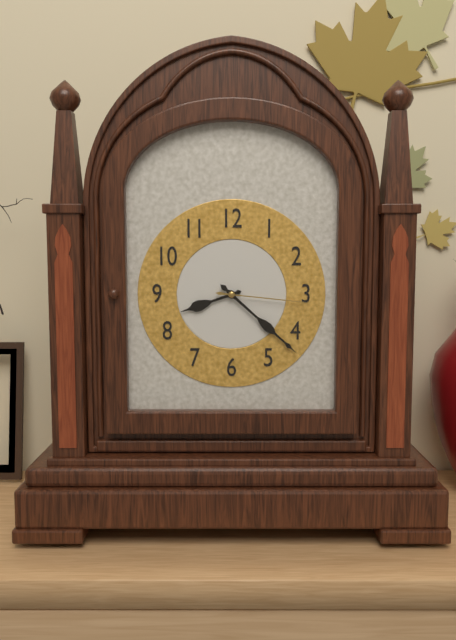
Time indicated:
8h22m16s
